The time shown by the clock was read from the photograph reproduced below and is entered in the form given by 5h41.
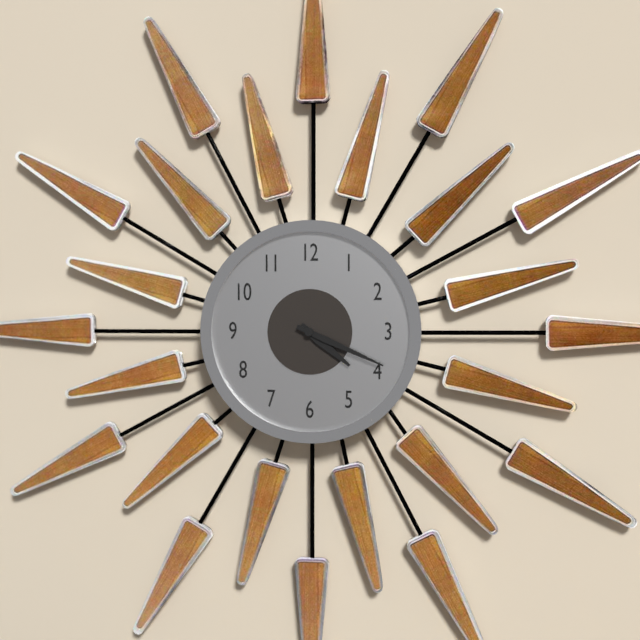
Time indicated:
4h19
